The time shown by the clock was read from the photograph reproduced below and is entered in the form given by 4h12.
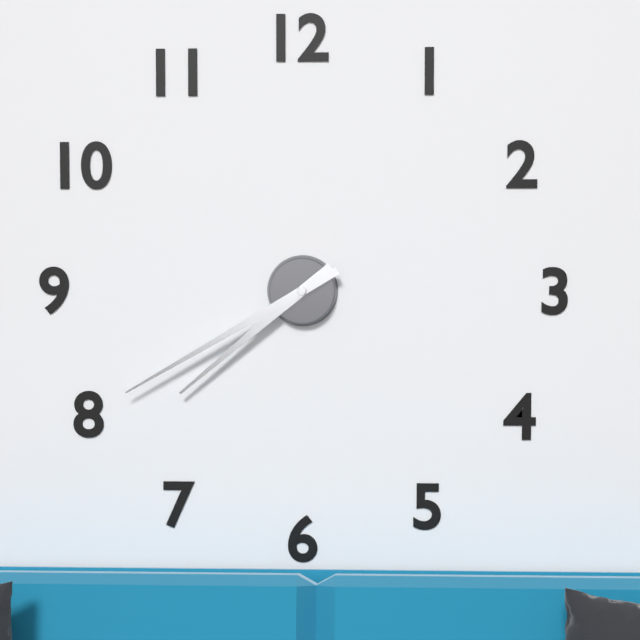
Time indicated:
7h40
